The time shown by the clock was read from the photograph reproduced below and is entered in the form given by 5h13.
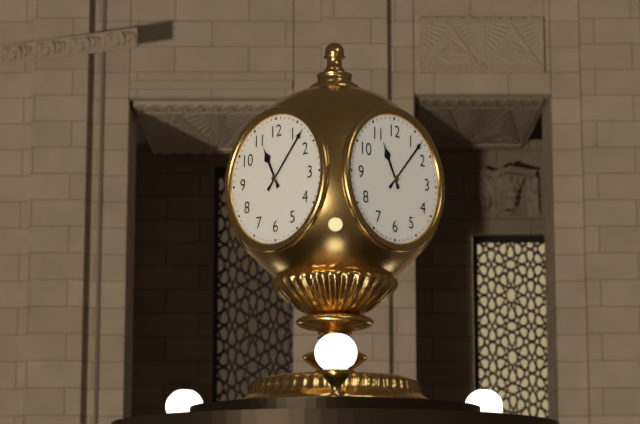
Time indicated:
11h07
